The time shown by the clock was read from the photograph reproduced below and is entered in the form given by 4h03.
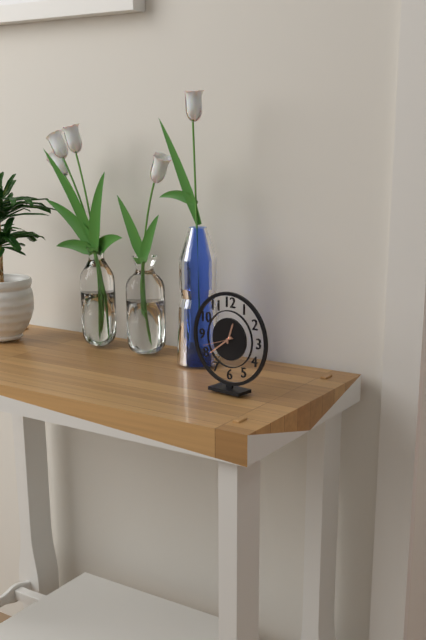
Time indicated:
12h39
